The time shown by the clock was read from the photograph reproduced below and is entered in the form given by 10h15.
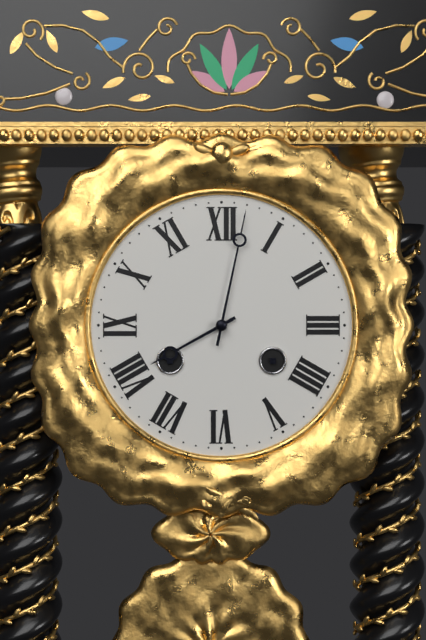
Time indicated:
8h02
